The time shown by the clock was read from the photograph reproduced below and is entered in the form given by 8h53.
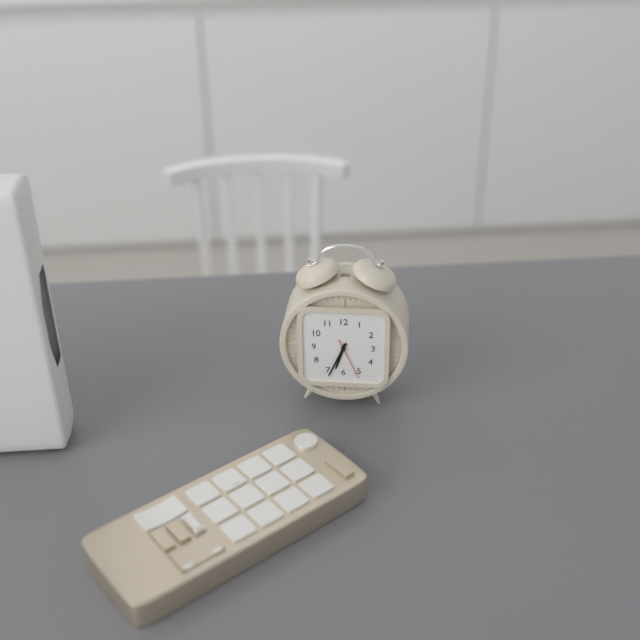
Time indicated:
6h34
